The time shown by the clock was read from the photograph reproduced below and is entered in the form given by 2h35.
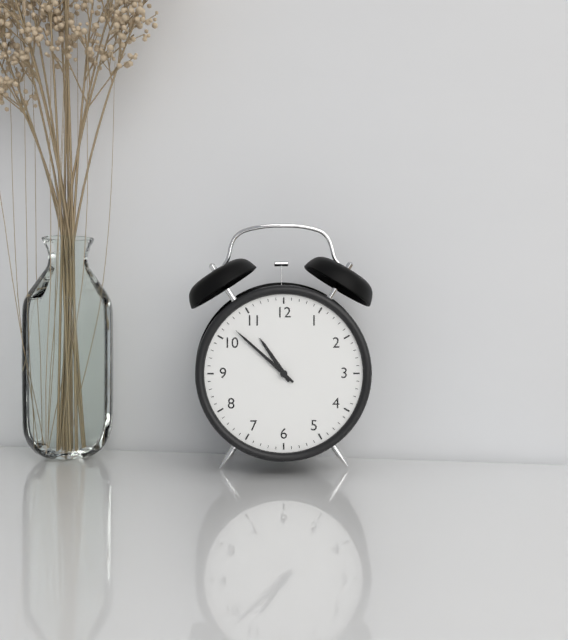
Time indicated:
10h52
